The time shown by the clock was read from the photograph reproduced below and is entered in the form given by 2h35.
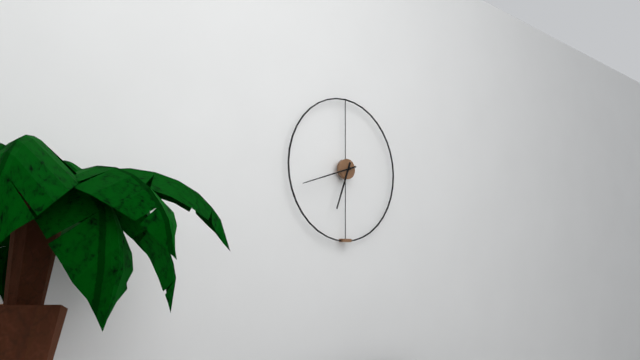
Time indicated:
6h42
